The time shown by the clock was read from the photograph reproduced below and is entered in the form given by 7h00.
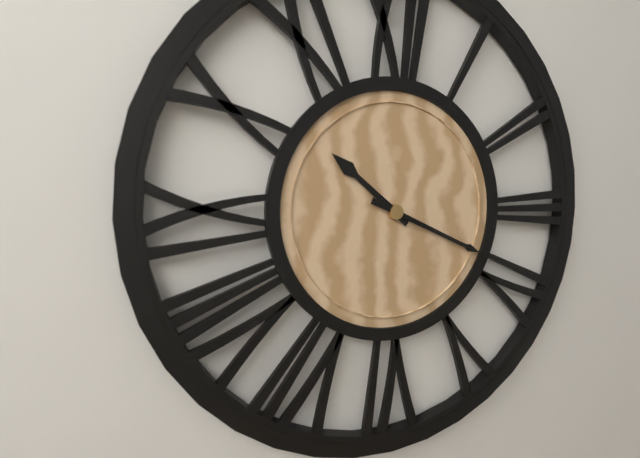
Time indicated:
10h19
